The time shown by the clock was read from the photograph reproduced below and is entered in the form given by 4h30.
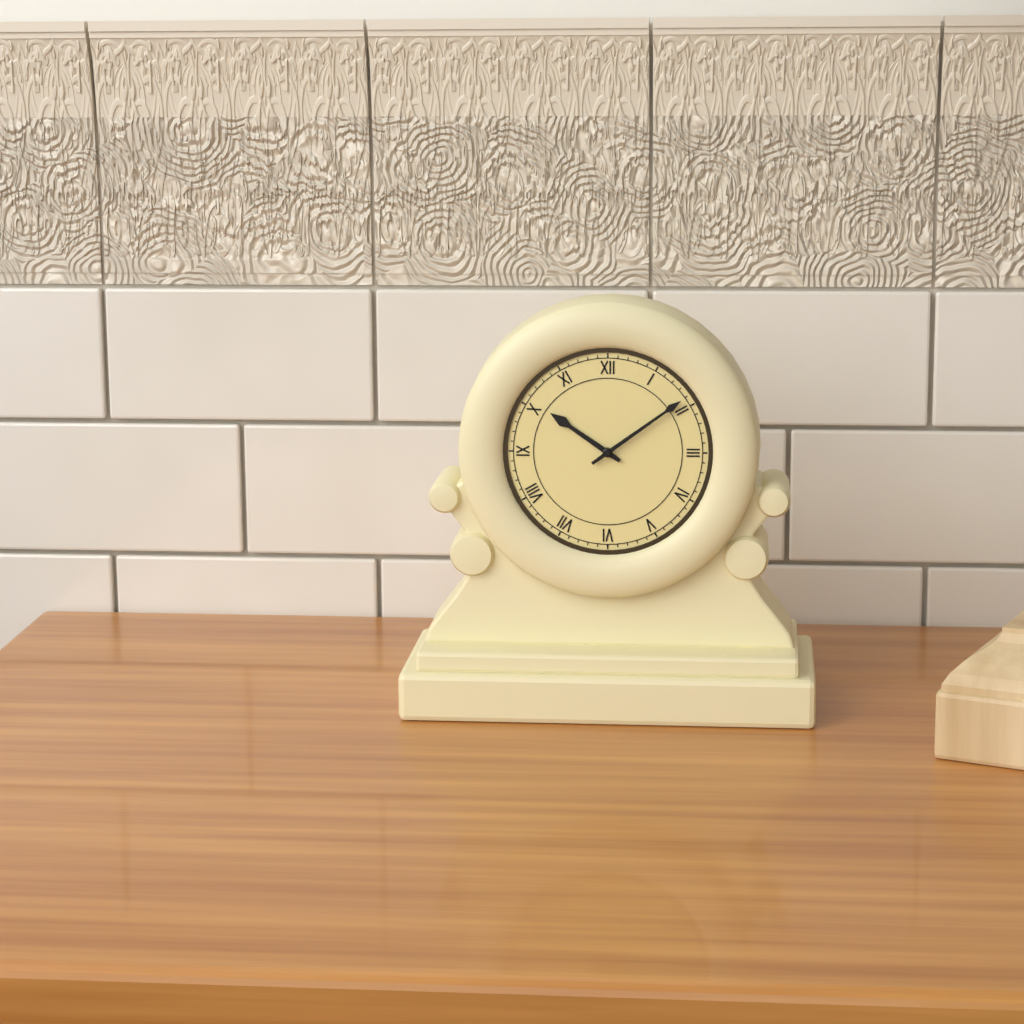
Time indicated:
10h09
